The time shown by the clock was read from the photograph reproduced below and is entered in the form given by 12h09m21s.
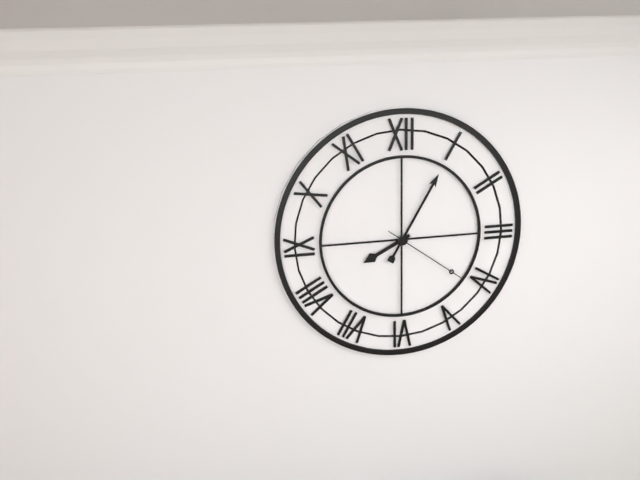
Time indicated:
8h05m21s
